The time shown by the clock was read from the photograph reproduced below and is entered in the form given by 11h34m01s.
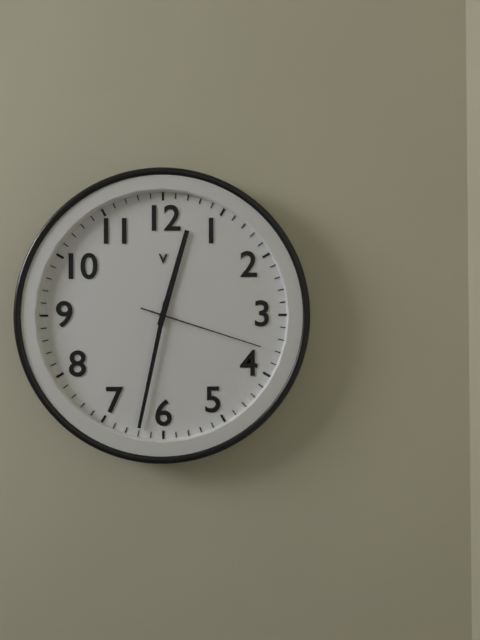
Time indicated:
12h32m18s
